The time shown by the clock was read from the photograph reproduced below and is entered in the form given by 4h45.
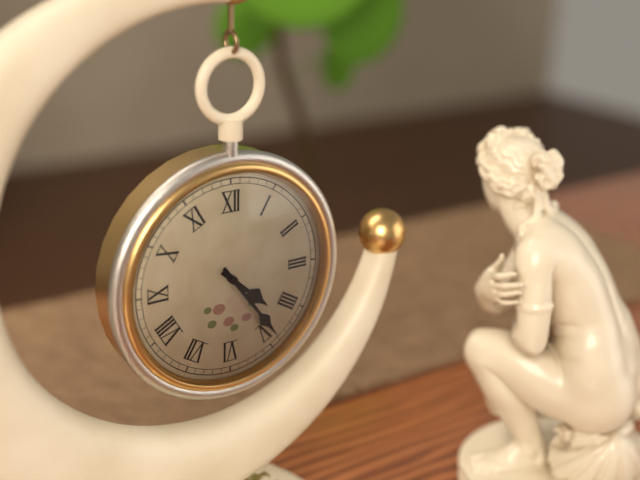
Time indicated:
4h24
